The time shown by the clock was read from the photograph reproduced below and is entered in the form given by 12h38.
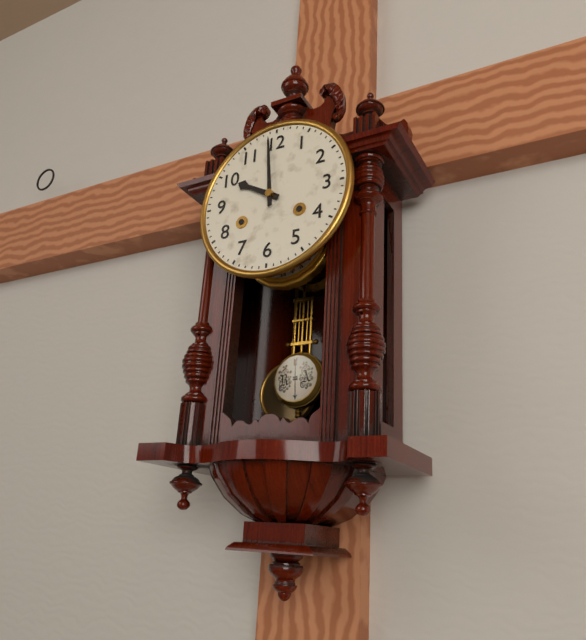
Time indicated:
9h59
